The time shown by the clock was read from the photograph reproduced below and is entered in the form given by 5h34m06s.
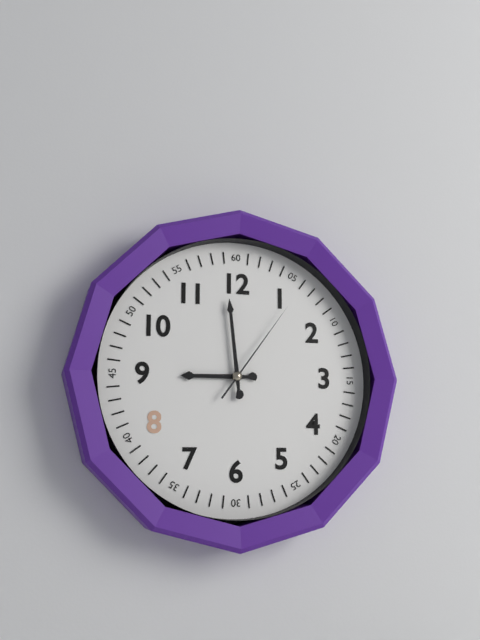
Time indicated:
8h59m06s
